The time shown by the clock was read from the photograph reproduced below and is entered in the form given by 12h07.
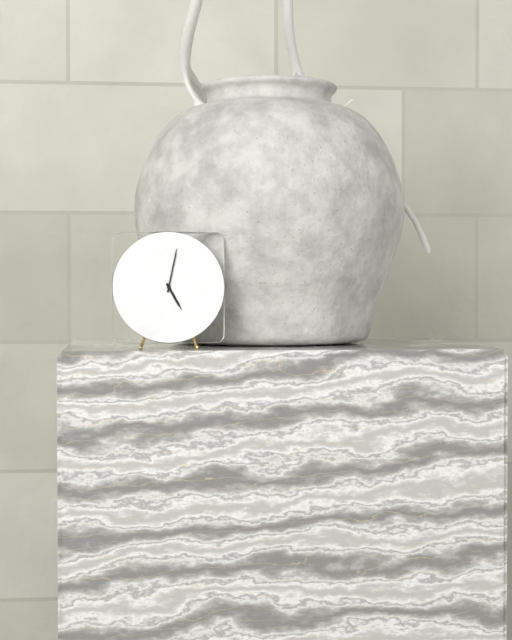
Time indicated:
5h02
